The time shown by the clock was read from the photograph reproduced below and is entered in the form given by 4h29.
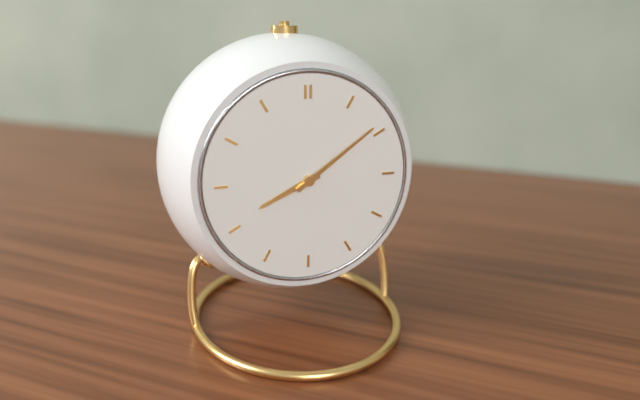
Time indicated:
8h09
